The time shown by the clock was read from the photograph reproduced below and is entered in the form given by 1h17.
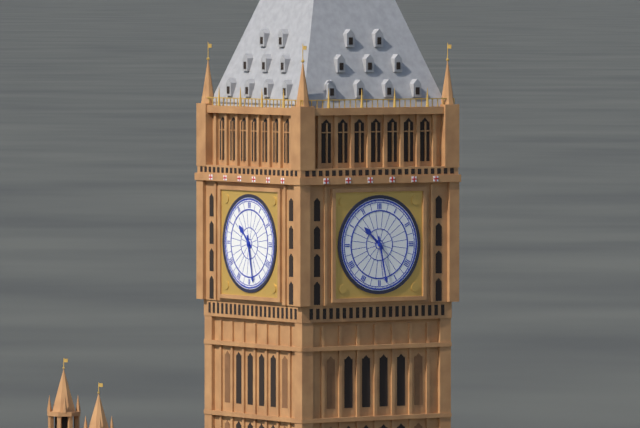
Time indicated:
10h28
